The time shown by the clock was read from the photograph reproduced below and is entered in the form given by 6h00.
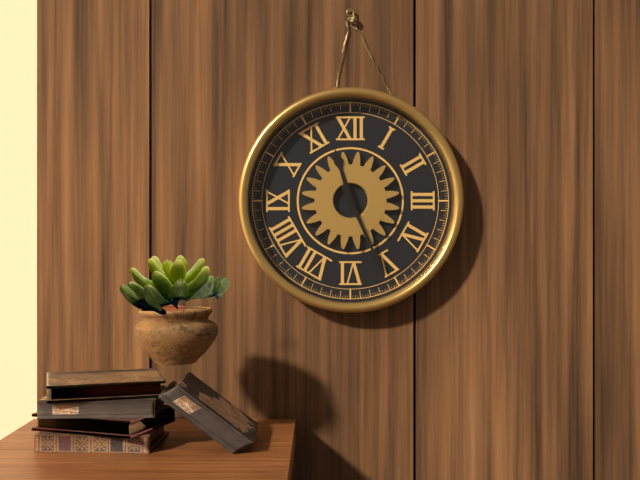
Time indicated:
11h26
